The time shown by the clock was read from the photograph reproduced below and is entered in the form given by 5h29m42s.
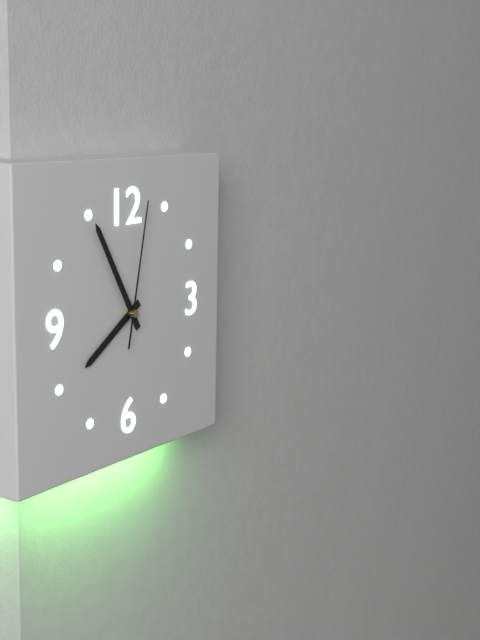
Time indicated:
7h55m02s
